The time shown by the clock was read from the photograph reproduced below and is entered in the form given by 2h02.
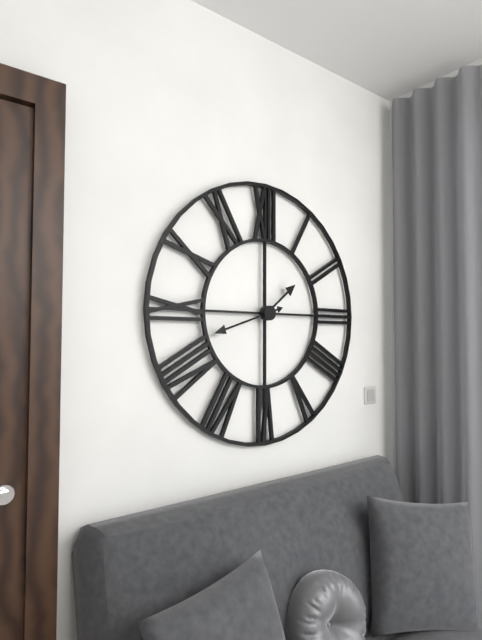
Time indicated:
1h42
